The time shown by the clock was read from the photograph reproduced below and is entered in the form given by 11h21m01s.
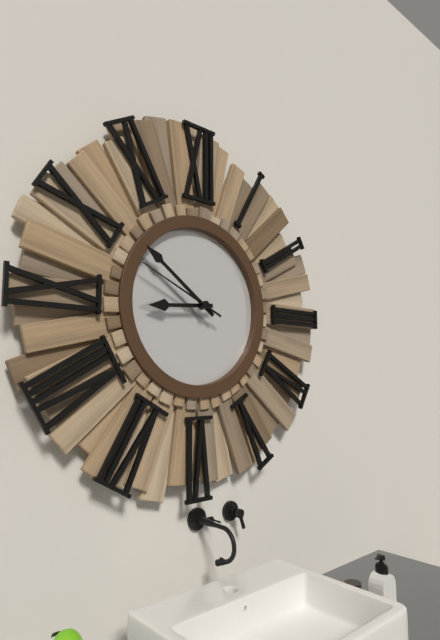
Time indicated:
8h51m49s
